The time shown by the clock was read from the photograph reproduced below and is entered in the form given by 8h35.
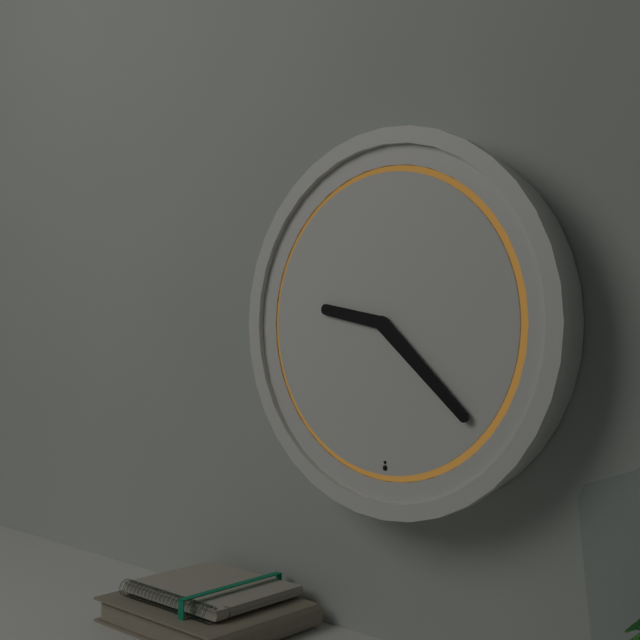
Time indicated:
9h22
